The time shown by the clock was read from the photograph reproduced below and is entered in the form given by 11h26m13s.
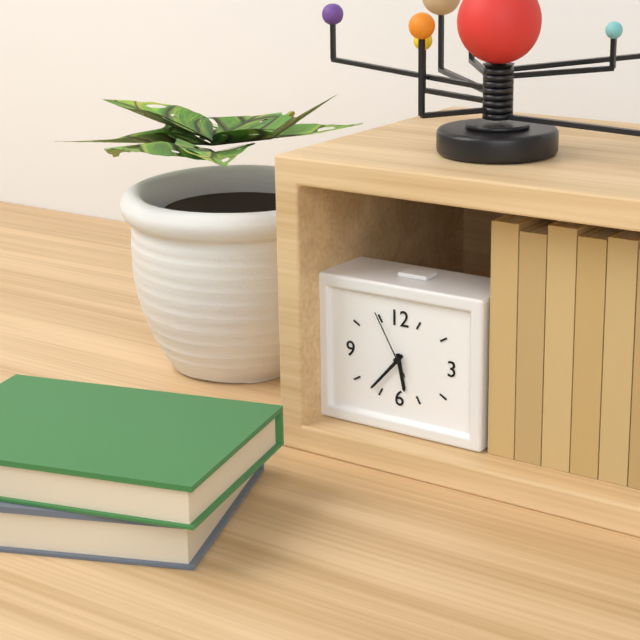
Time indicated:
5h37m55s
